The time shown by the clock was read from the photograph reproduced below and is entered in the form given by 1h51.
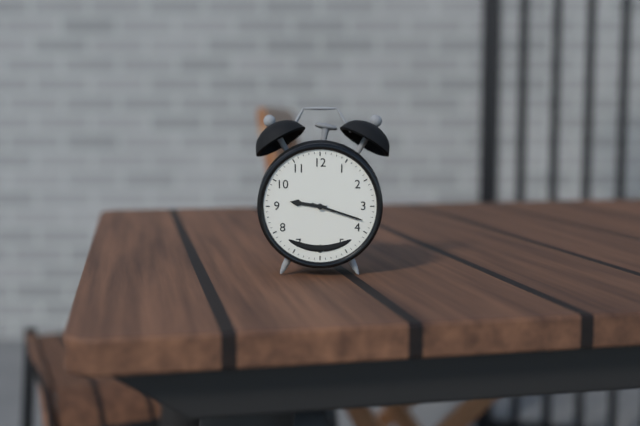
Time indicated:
9h18
